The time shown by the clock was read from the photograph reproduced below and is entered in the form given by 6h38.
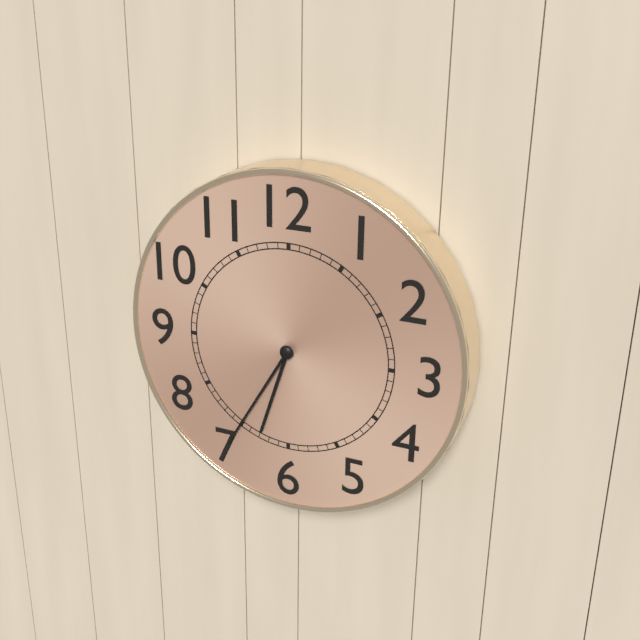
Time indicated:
6h35
